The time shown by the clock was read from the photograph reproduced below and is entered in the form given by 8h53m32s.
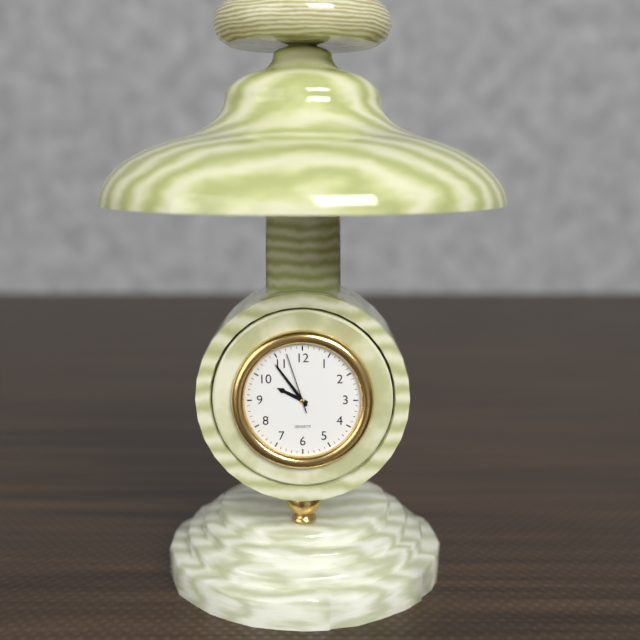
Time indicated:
9h54m57s
